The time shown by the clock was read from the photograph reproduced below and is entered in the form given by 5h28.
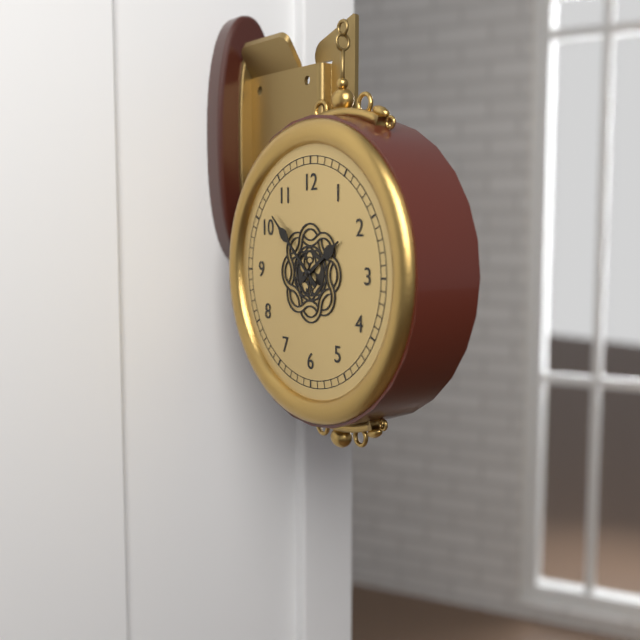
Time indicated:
1h52
